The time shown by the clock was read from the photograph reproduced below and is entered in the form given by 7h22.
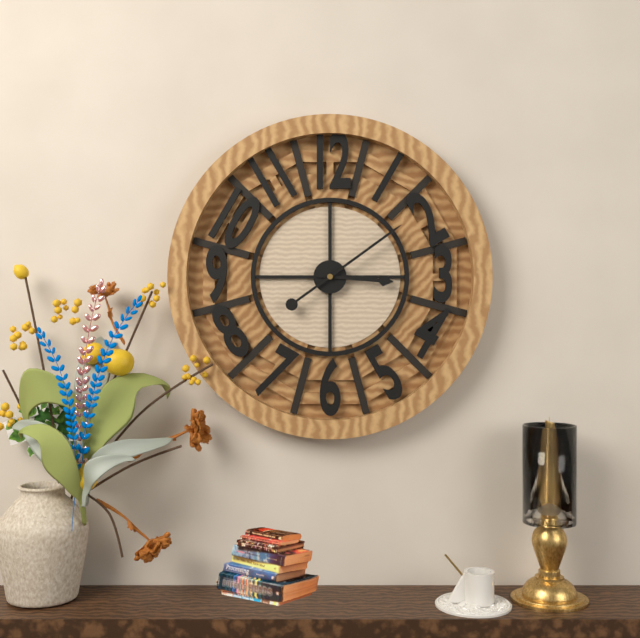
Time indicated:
3h09
